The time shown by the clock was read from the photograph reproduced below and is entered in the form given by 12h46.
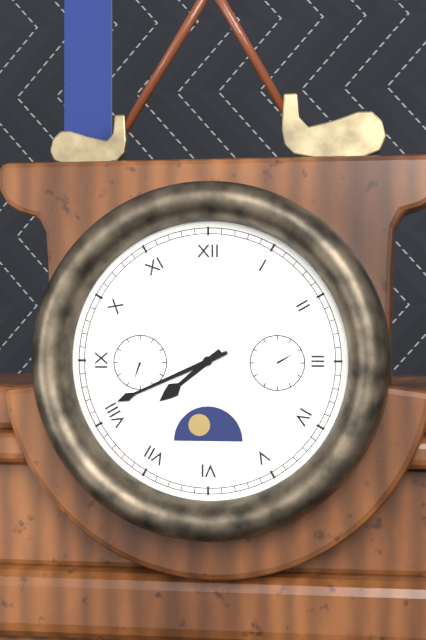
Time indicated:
7h41
